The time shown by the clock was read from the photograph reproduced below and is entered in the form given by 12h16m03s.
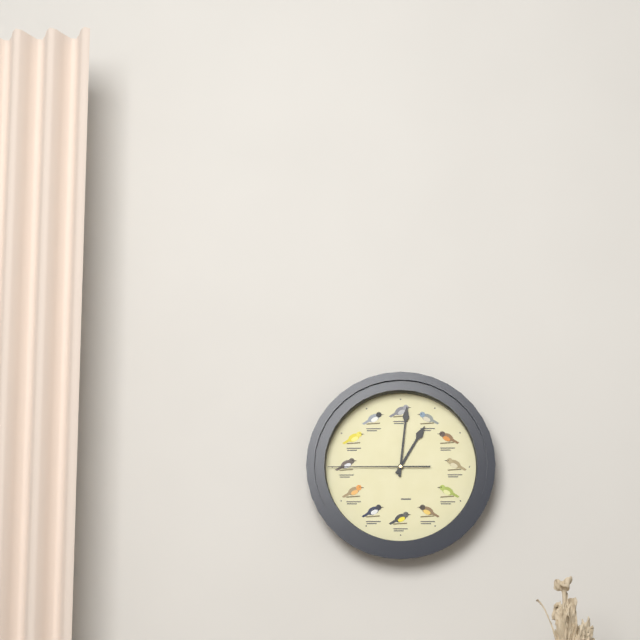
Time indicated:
1h01m45s
